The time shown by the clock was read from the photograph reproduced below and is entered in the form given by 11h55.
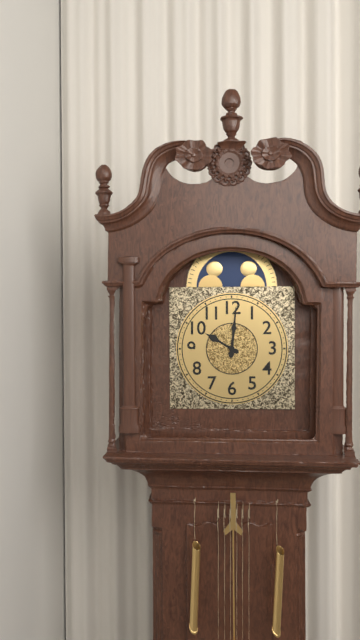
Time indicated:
10h01
